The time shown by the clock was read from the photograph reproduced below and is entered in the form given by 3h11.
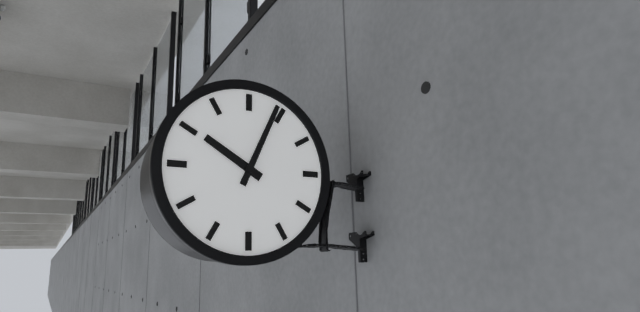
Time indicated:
10h04
